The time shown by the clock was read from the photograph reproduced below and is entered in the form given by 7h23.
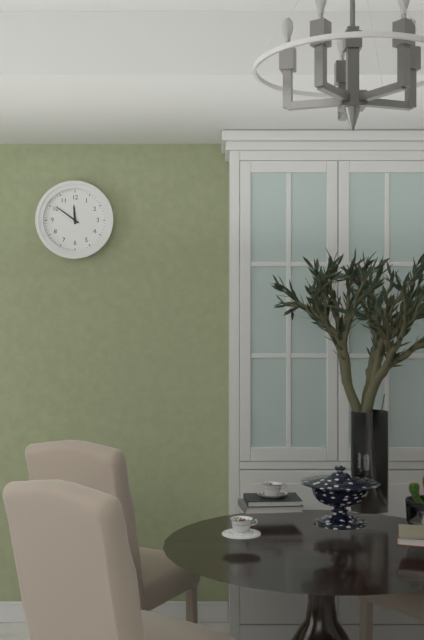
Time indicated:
11h51
